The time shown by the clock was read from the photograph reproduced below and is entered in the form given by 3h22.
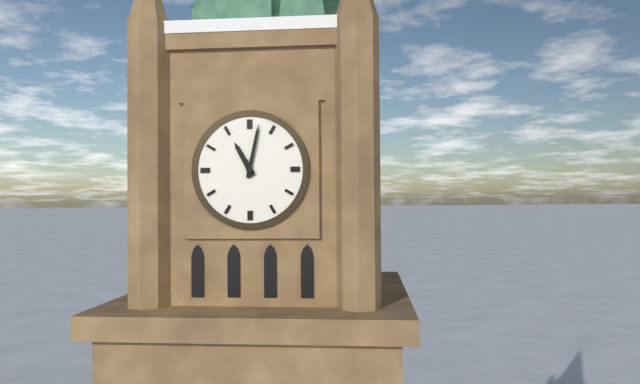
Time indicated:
11h02
